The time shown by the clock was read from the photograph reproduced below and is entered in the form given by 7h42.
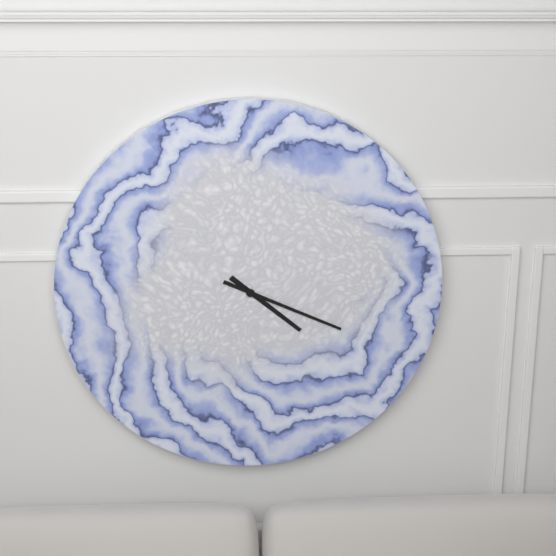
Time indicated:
4h19
